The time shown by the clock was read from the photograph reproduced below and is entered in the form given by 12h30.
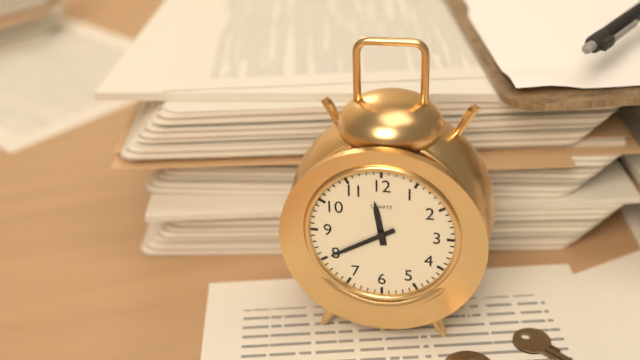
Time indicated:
11h40
